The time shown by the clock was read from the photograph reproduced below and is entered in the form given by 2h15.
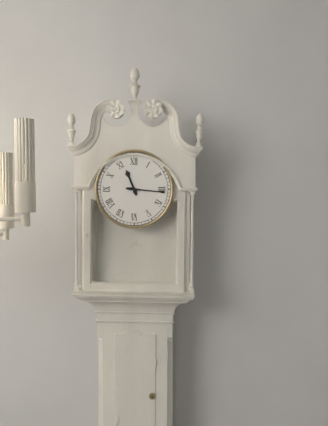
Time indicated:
11h16
